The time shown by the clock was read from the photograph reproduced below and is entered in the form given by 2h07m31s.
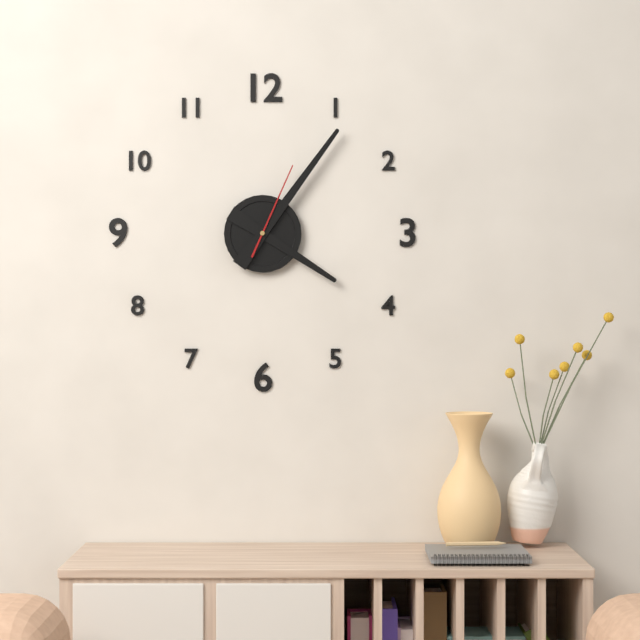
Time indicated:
4h06m04s
